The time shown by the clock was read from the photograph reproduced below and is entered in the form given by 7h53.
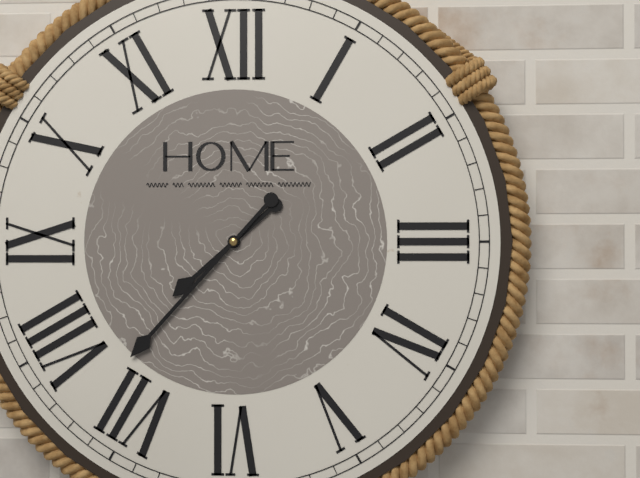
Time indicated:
7h37
